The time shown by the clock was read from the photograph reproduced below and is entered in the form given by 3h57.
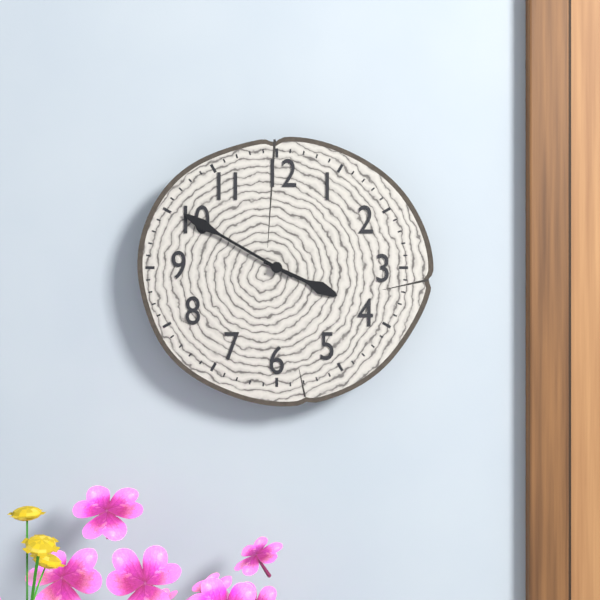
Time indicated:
3h50
